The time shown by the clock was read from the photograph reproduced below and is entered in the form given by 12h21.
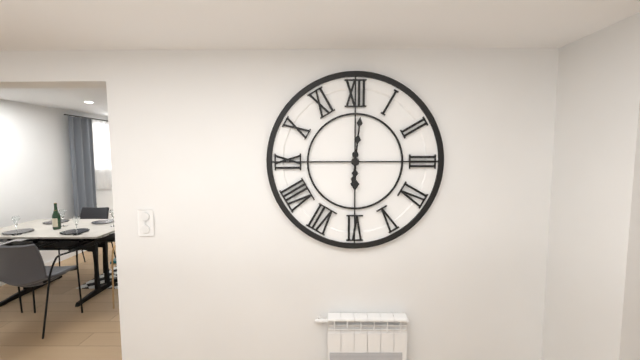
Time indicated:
6h01
